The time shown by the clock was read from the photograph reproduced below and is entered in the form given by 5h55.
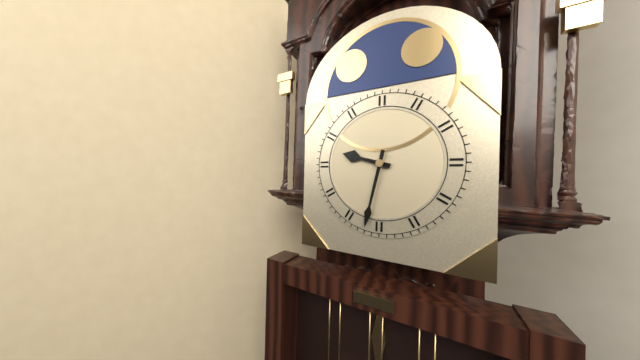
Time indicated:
9h32
